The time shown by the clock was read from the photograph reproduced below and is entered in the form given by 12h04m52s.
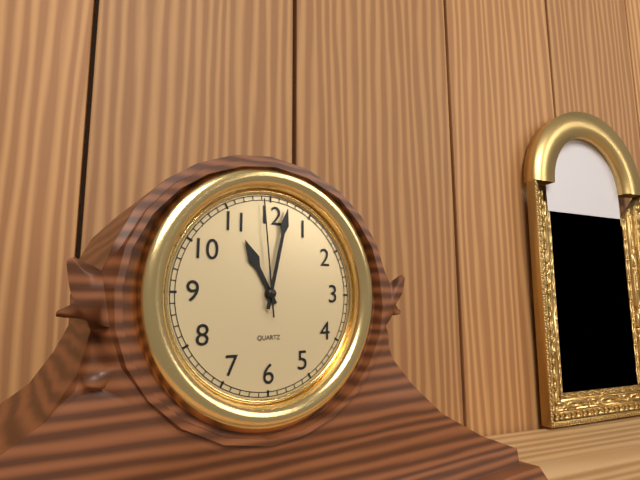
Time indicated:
11h02m59s
